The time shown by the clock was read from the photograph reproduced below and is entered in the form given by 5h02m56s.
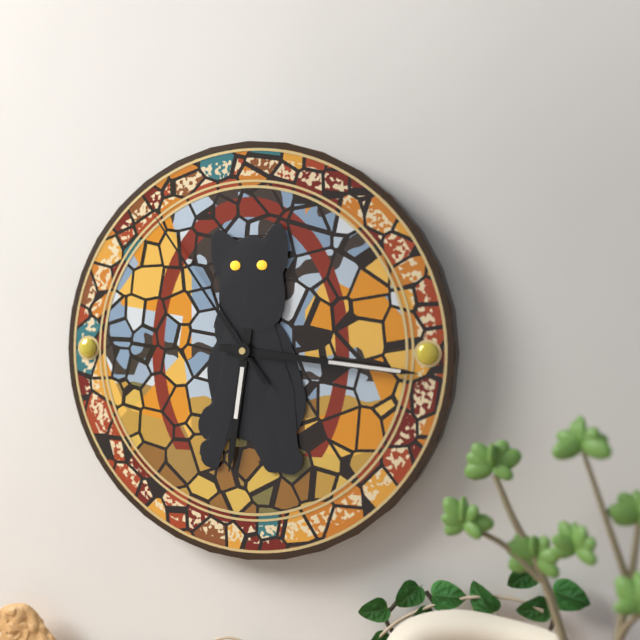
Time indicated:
6h16m54s
